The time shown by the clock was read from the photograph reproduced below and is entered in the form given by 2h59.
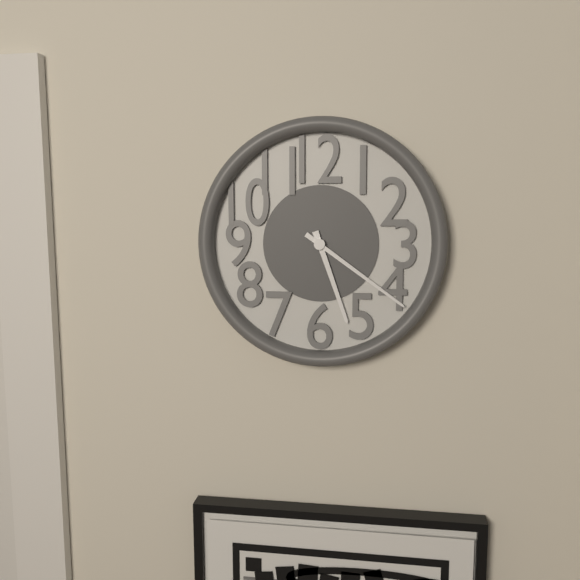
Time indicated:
5h21
